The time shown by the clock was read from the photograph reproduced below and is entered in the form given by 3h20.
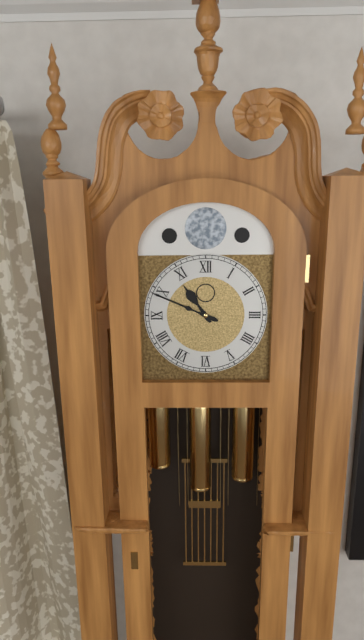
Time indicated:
10h49
